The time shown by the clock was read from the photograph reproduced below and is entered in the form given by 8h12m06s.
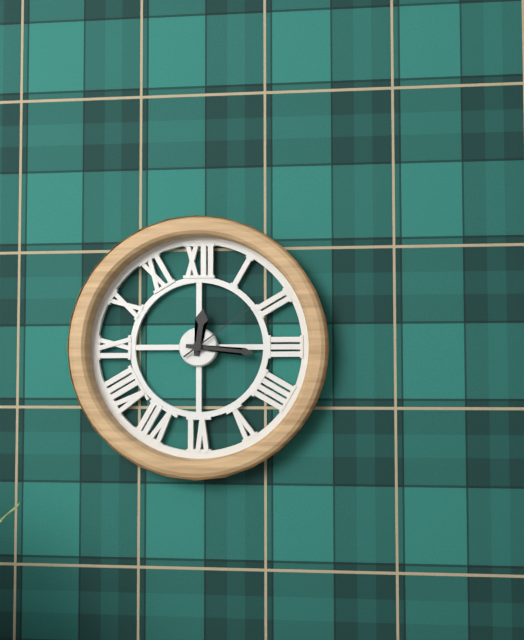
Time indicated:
12h16m09s
